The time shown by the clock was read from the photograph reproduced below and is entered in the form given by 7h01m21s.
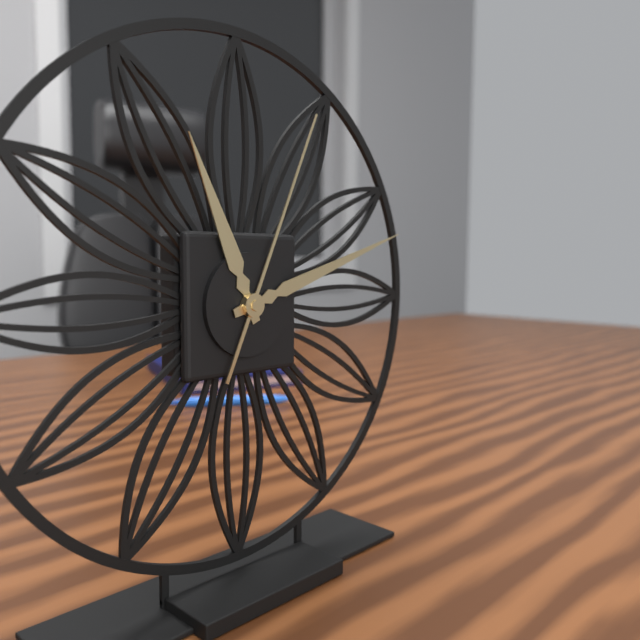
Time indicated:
11h12m04s
